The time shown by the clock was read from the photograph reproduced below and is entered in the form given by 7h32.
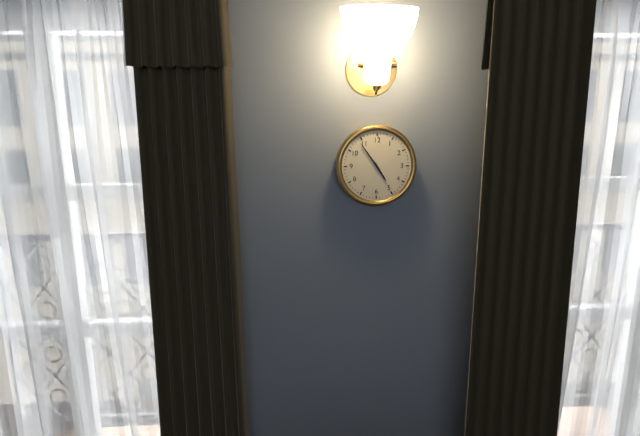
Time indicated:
4h54
